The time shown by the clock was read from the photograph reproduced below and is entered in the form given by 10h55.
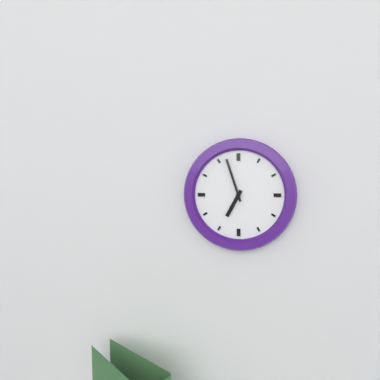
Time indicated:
6h57
